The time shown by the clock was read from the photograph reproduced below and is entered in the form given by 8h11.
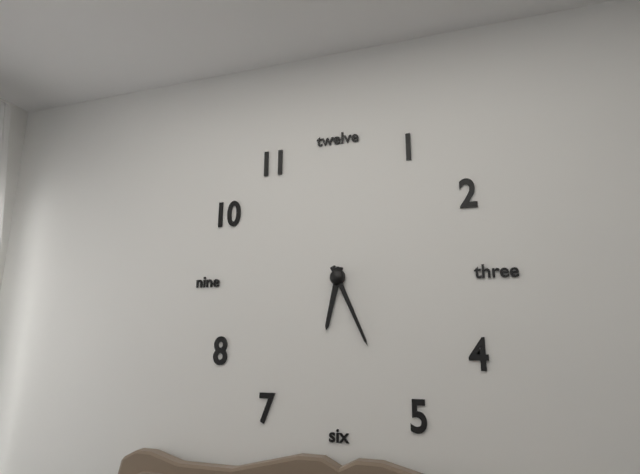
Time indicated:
6h26
